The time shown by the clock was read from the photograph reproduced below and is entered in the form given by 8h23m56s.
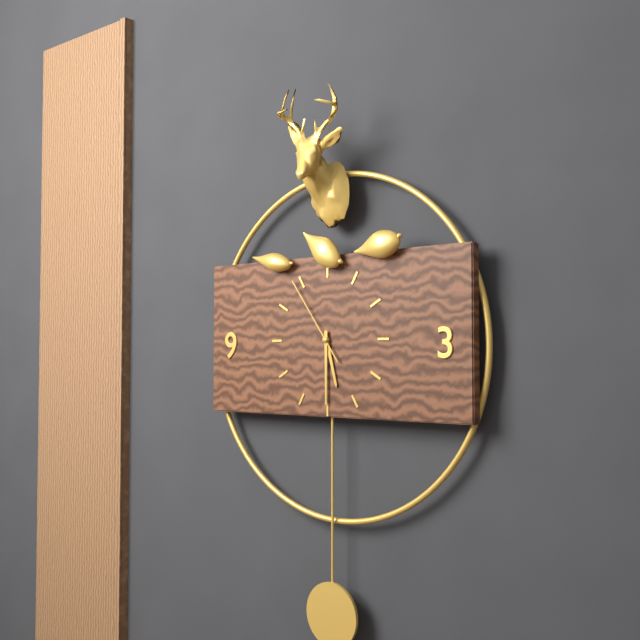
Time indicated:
5h30m54s
